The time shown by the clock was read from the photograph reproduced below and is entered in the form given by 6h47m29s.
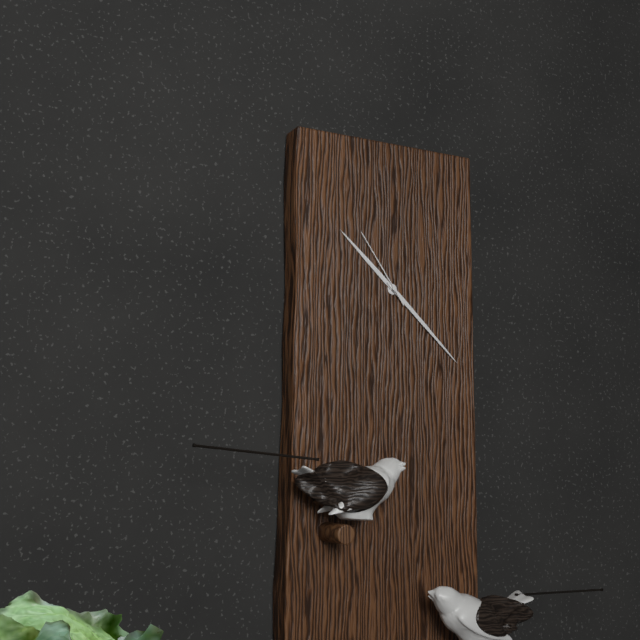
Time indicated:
10h22m54s
